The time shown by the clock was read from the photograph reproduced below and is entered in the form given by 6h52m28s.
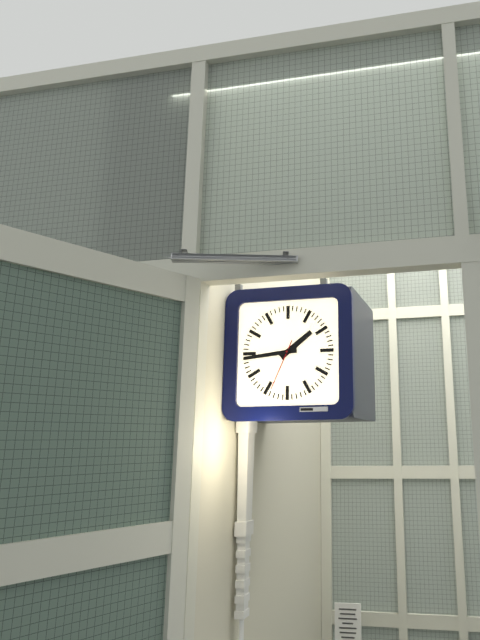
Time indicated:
1h44m34s
